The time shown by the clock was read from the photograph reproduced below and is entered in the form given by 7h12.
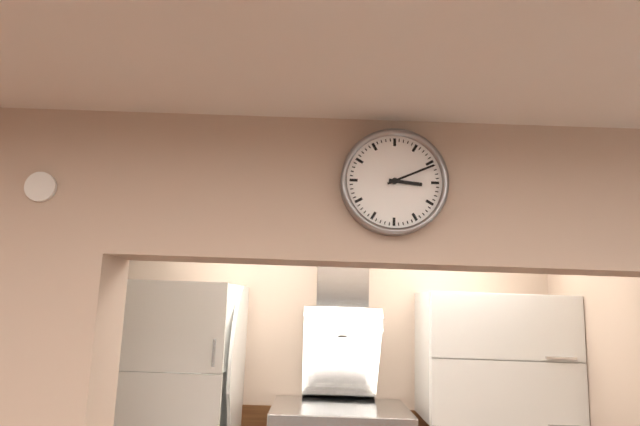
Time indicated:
3h11
